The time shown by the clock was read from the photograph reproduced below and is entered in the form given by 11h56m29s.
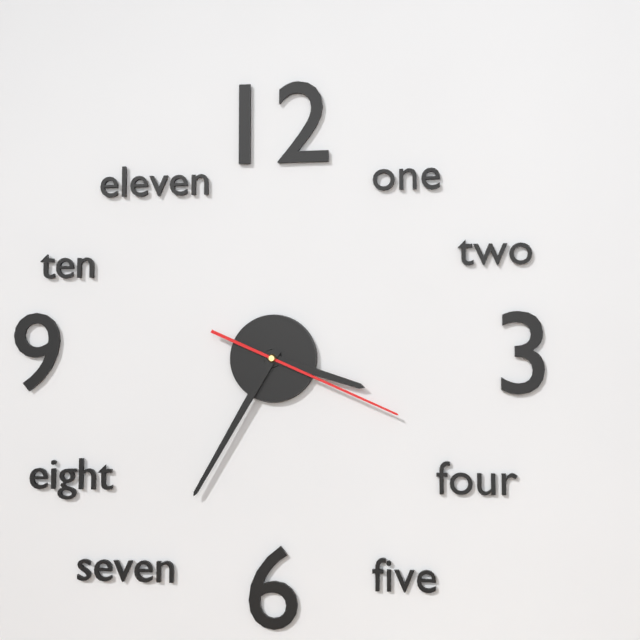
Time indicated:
3h35m19s
